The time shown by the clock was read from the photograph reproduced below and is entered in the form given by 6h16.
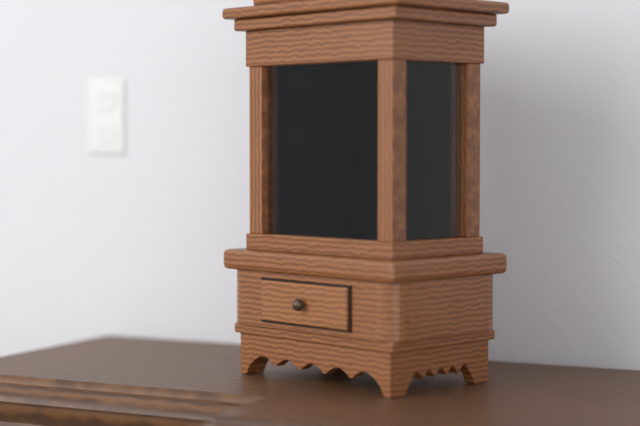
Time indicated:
1h28
